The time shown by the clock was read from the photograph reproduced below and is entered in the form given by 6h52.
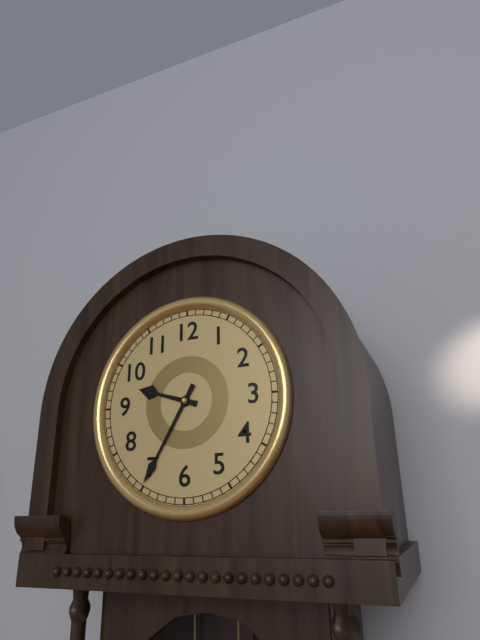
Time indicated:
9h35
